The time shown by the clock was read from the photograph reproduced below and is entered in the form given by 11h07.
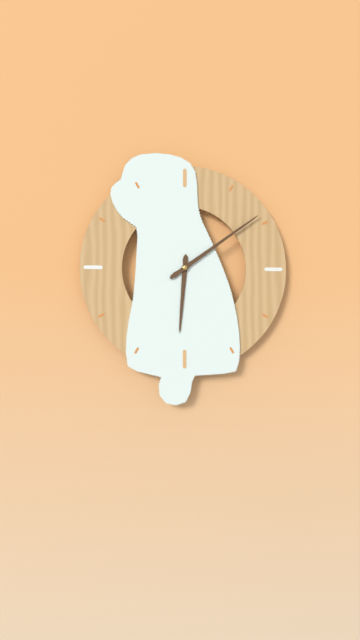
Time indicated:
6h09
